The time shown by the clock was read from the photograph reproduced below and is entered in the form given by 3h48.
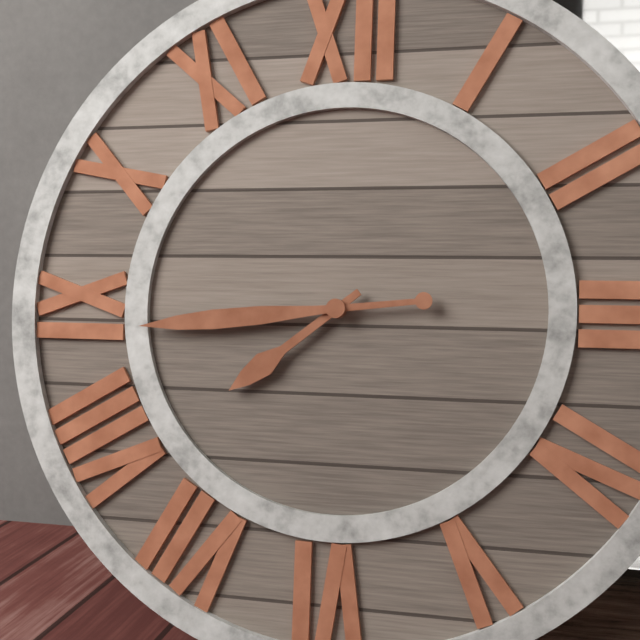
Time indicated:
7h44
